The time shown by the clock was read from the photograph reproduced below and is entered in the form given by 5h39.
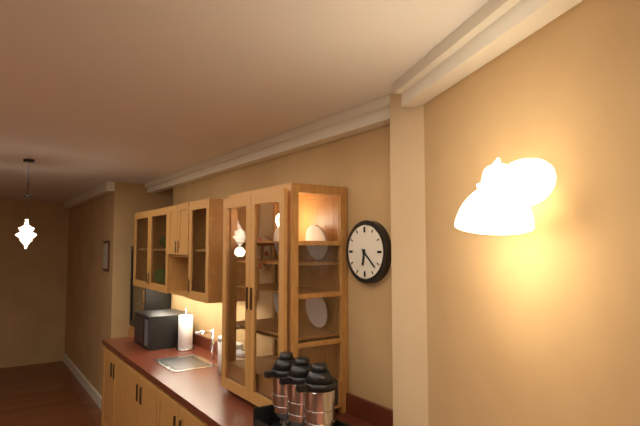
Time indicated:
6h22
